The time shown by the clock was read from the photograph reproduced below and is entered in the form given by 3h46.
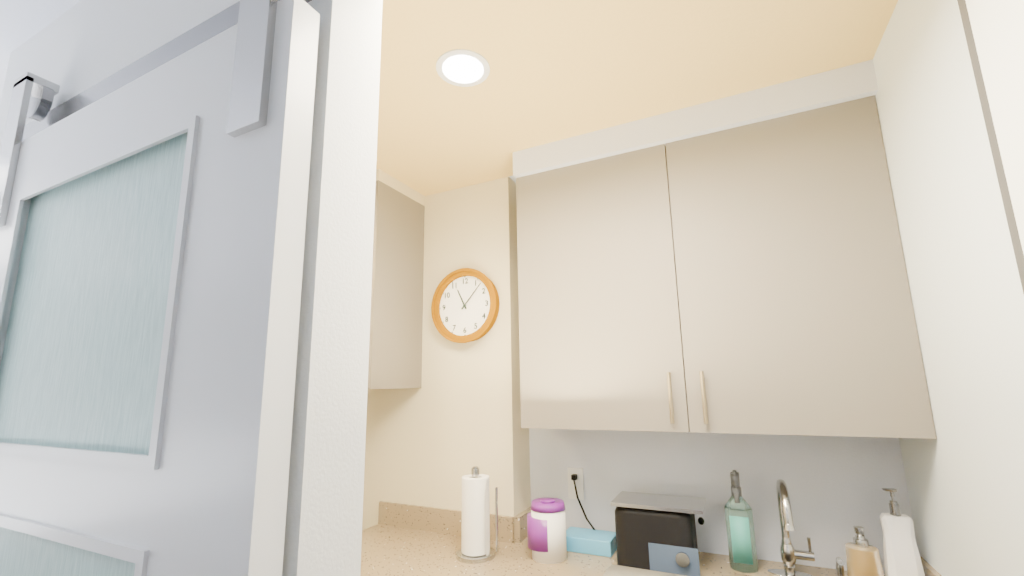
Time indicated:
11h07
